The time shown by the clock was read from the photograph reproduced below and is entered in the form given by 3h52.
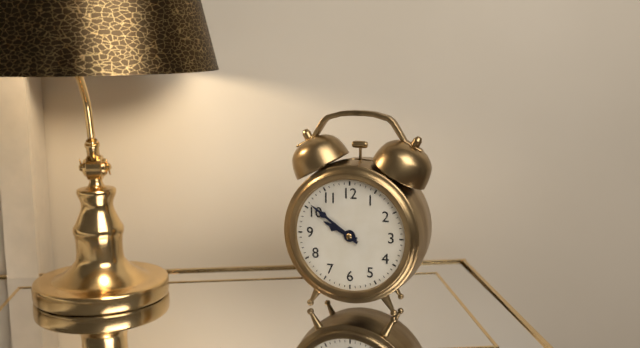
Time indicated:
9h51
